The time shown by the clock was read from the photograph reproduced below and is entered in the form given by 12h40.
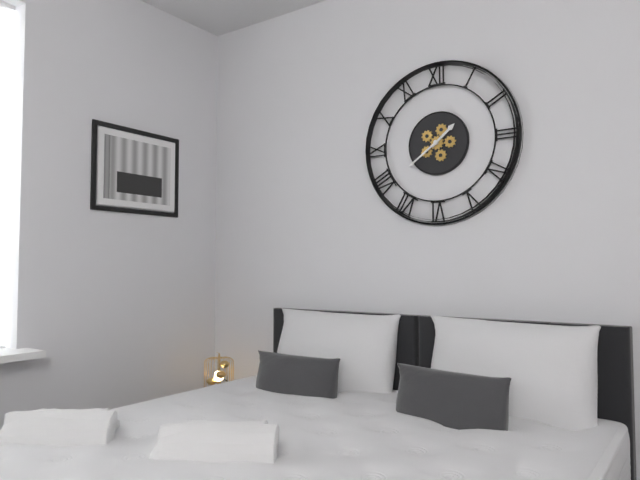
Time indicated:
1h39
